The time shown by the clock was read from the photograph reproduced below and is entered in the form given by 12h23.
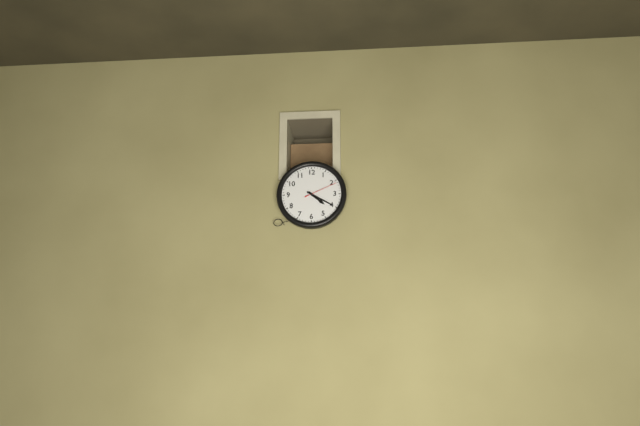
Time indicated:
4h20
